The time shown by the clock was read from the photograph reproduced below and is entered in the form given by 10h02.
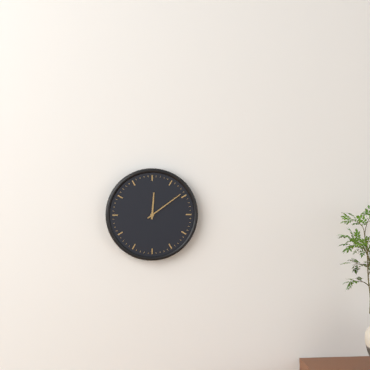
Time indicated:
12h09
